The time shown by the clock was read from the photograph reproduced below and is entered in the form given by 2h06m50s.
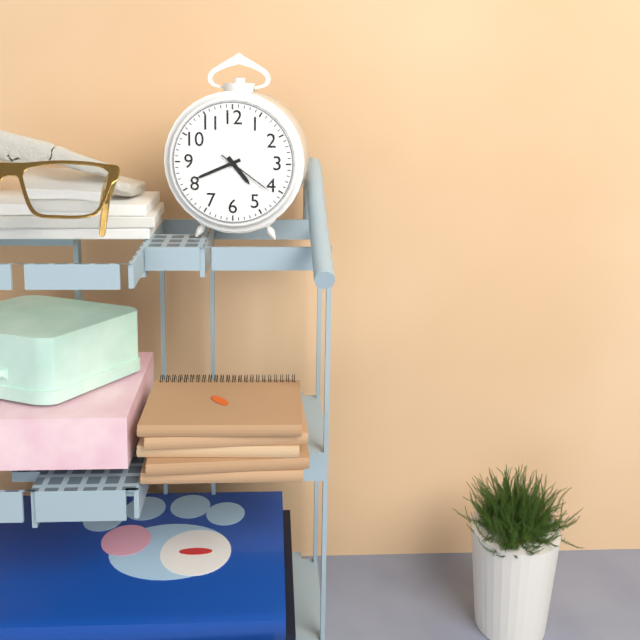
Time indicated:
4h41m21s
